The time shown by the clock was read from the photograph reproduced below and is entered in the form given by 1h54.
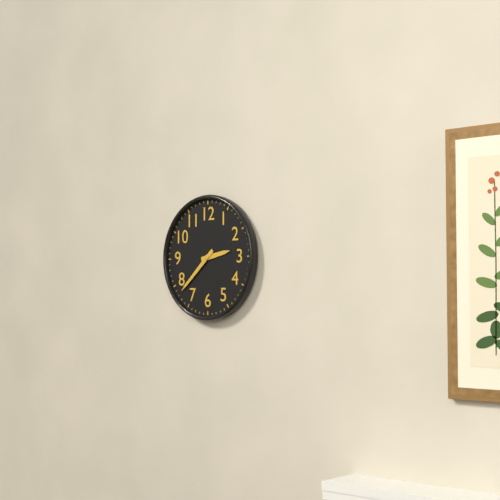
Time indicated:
2h38
